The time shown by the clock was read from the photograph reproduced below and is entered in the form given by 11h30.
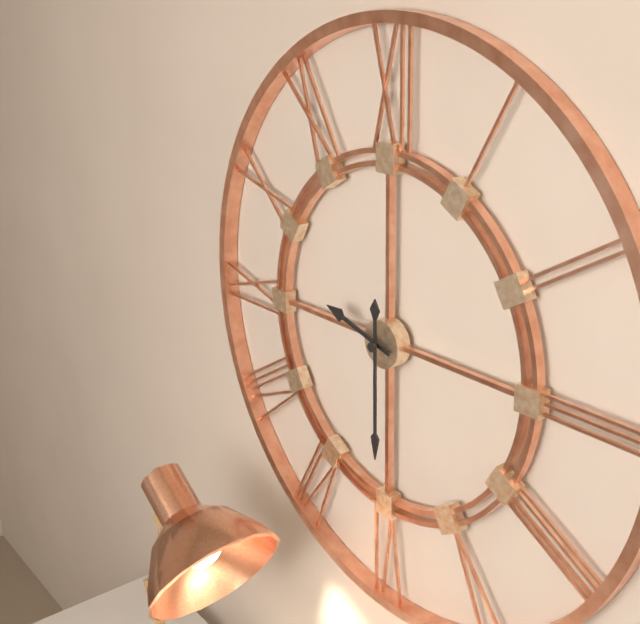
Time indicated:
9h30
